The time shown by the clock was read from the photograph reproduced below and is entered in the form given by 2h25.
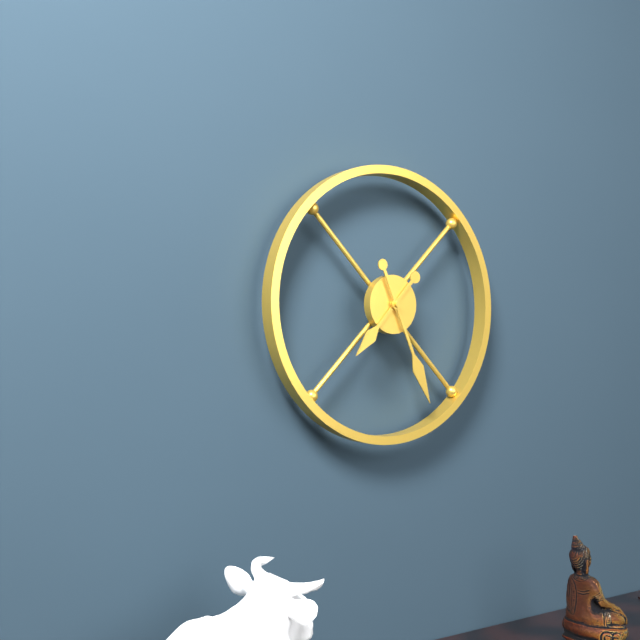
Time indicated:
7h26
